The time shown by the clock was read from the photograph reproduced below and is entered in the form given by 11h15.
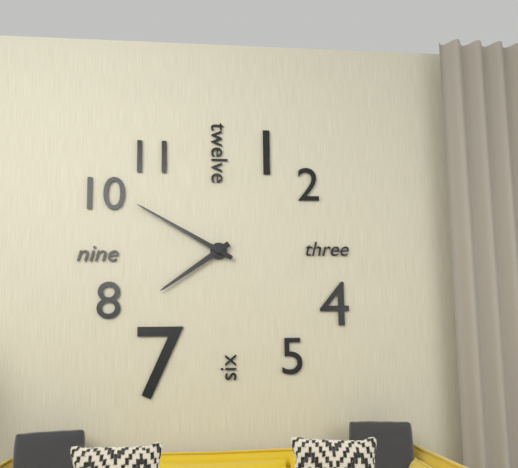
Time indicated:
7h50
